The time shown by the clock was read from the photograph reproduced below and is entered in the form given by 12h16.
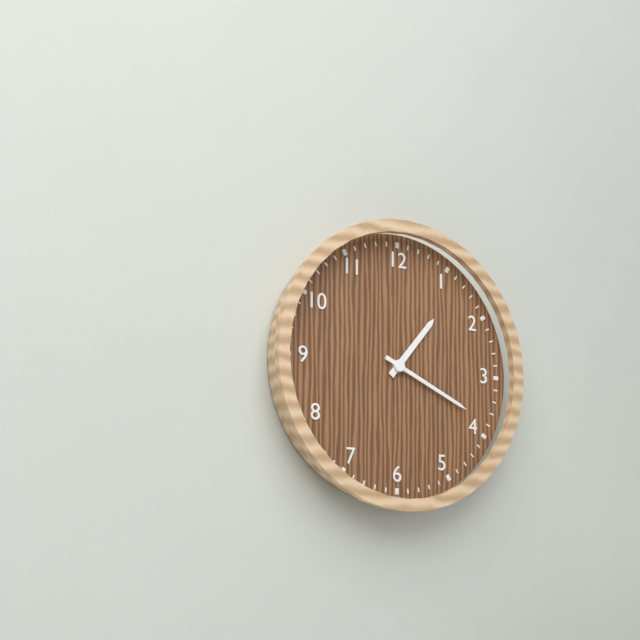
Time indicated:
1h19
